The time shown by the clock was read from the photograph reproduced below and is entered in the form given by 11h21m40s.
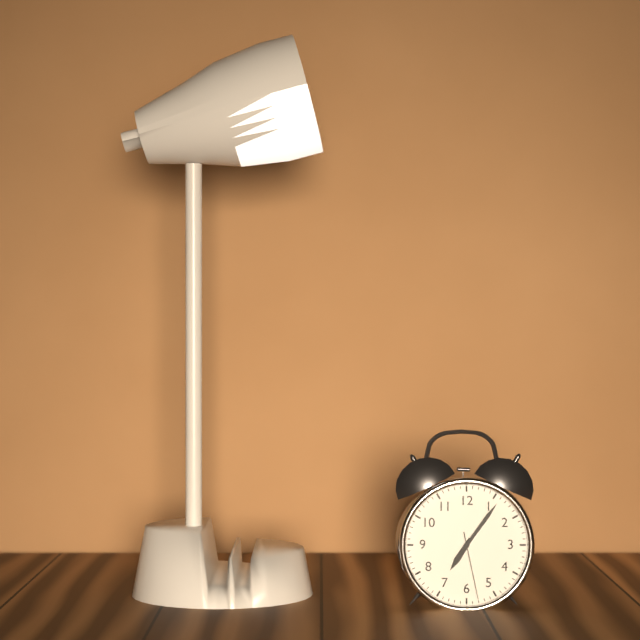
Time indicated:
7h06m28s
